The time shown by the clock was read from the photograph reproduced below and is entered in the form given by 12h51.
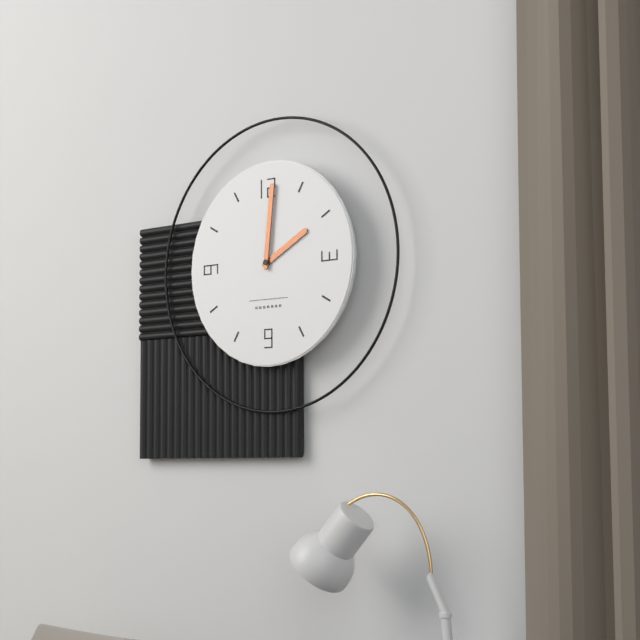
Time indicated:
2h01
